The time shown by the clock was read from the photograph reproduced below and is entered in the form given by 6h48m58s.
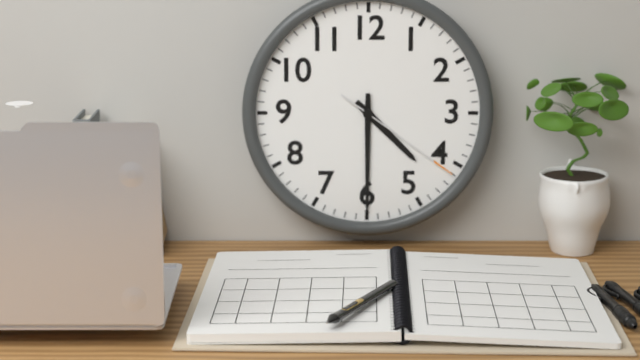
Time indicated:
4h30m21s
